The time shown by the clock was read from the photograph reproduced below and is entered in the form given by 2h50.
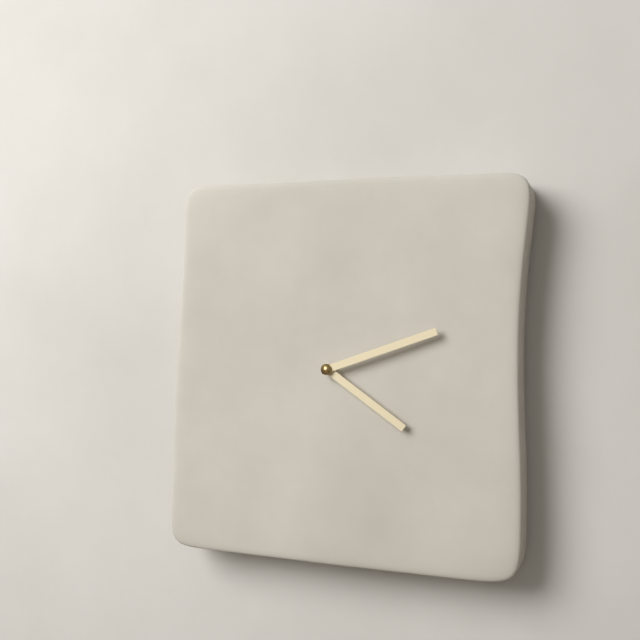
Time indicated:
4h12
